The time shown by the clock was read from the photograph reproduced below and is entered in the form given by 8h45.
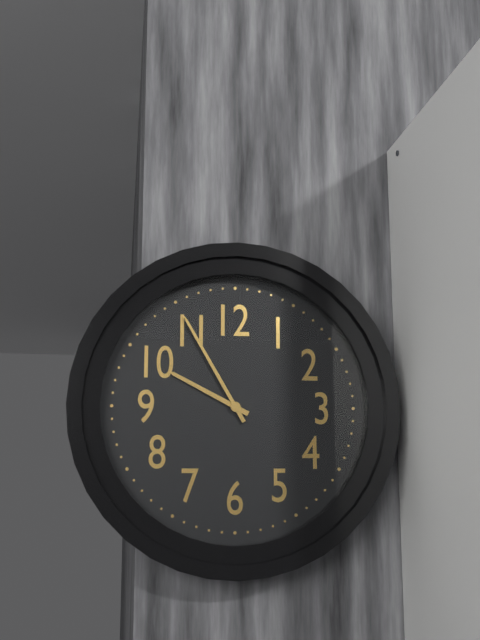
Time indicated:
9h55
